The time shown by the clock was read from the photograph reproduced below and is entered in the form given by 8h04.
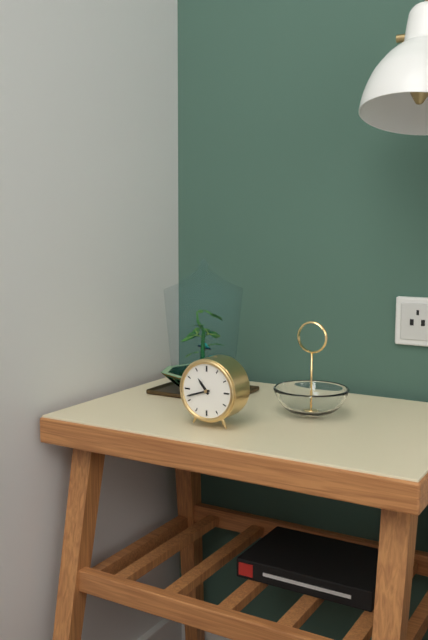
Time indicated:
10h42
